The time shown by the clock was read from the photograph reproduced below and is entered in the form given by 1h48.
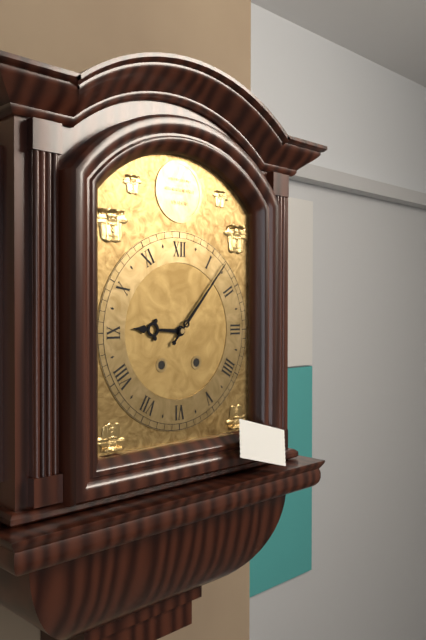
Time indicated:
9h07
